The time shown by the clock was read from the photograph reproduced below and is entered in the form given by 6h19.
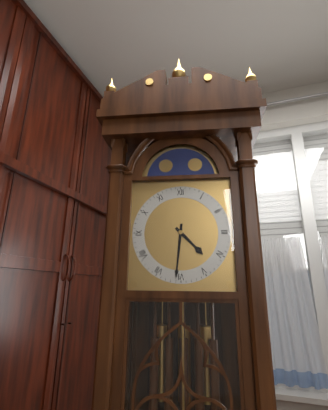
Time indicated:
4h31
